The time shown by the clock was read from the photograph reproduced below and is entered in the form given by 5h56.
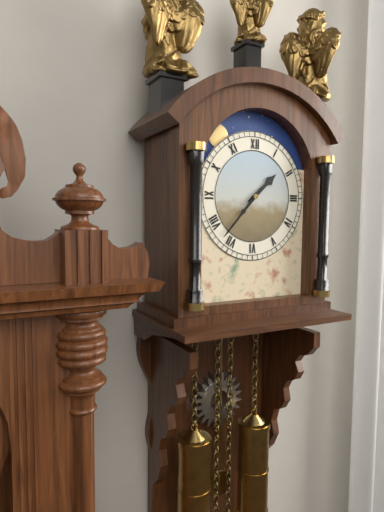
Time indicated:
1h37
